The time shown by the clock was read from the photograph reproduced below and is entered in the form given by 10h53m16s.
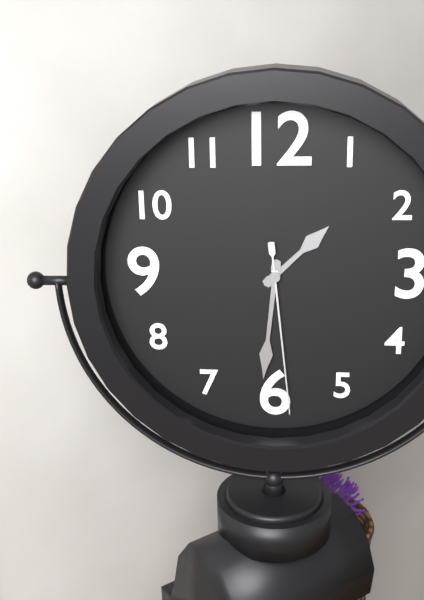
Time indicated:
1h31m29s
